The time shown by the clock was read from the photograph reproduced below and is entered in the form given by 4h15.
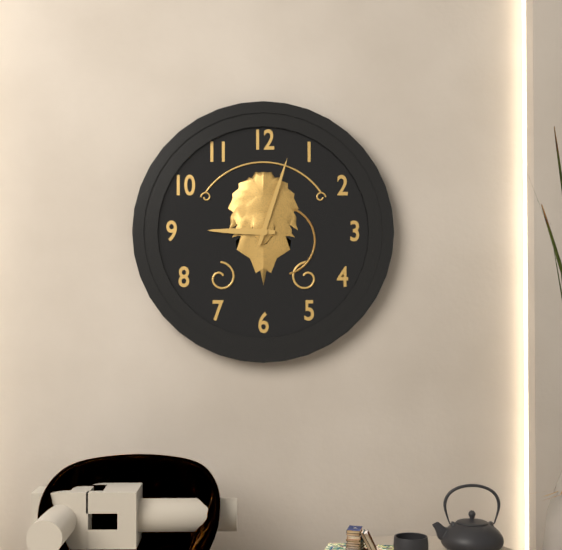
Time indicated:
9h03
